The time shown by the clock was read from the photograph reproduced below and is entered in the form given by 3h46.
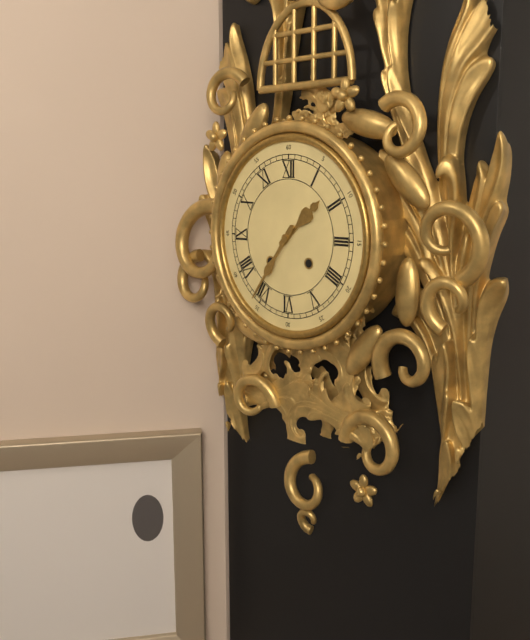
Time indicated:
1h36
